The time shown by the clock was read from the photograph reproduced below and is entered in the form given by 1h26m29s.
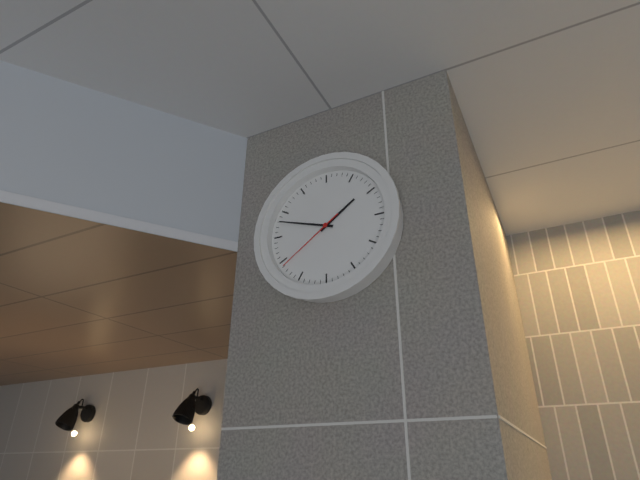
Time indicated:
1h48m39s
